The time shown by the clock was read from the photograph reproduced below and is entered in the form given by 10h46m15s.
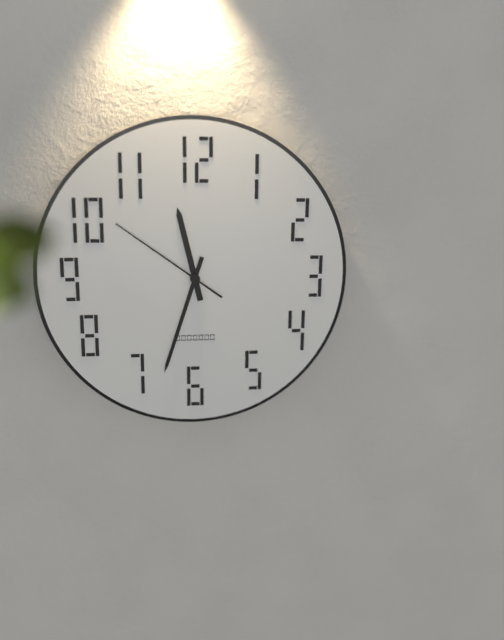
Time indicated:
11h33m51s
